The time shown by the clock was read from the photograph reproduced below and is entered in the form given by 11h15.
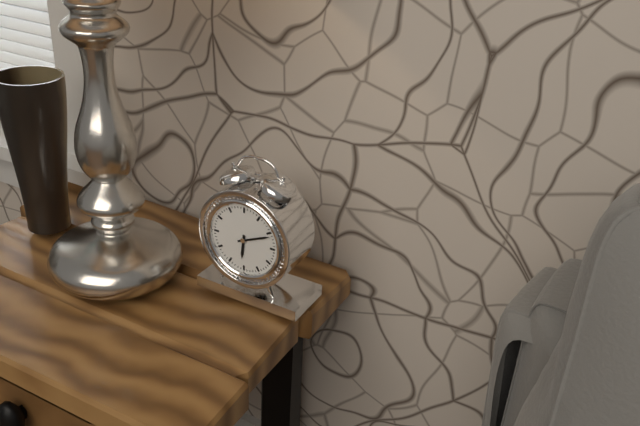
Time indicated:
6h11
